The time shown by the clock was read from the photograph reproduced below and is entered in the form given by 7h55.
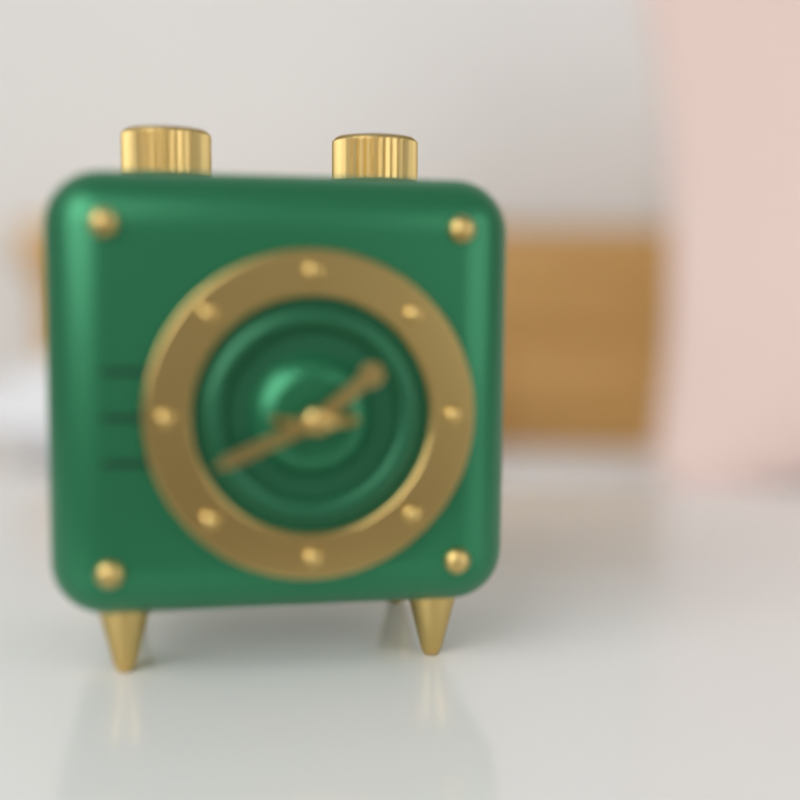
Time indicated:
1h41
